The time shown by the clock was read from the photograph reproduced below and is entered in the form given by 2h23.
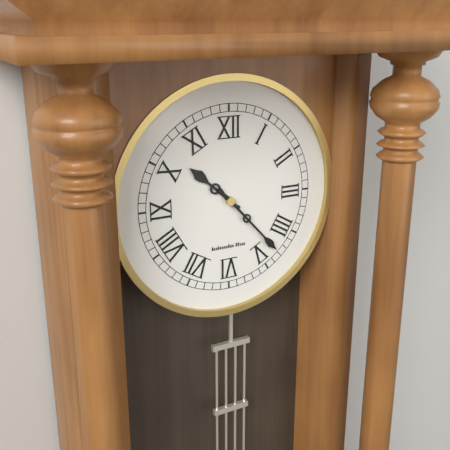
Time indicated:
10h23
